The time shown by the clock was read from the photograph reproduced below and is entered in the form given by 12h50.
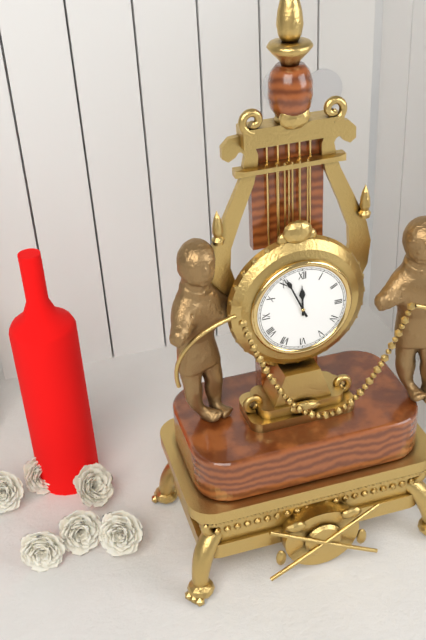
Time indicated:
11h56
